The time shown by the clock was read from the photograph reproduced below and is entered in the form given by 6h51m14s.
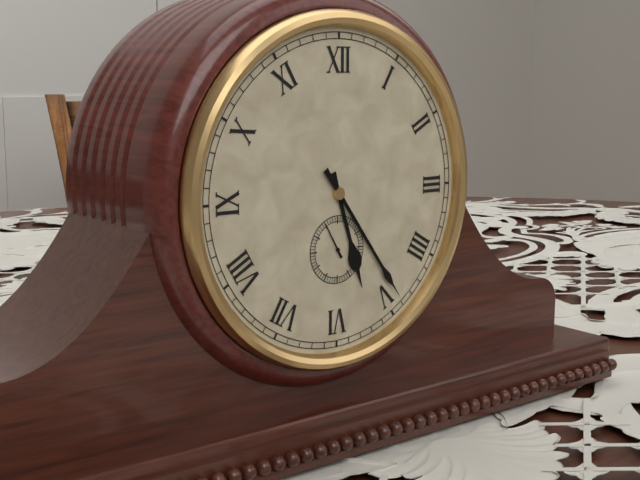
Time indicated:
5h24m55s
